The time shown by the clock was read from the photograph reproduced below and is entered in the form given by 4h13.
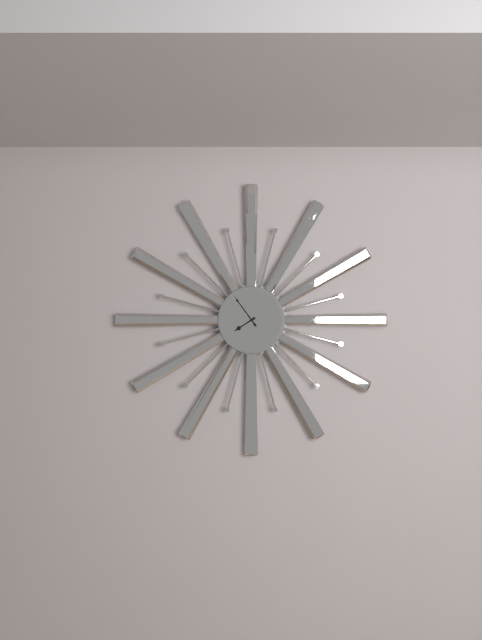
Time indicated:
7h54
